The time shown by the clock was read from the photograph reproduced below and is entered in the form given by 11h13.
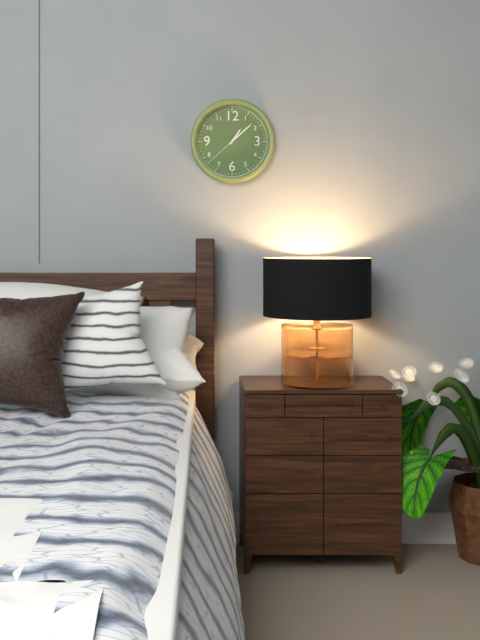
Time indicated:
1h08
